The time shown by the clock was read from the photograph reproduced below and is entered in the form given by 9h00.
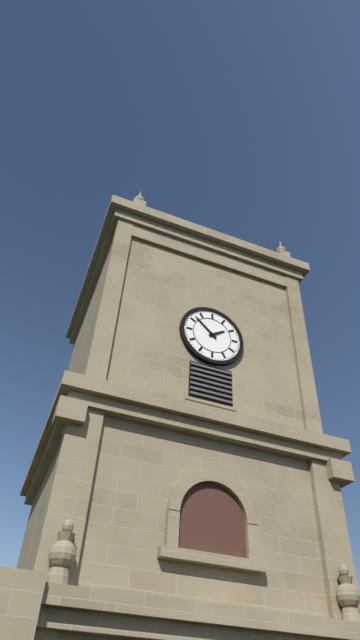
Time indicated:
1h52
